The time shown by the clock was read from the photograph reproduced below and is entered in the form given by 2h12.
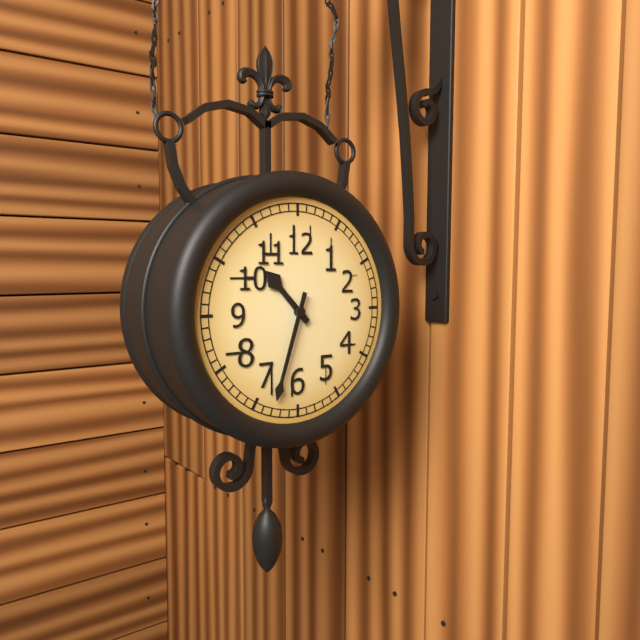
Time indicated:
10h33
